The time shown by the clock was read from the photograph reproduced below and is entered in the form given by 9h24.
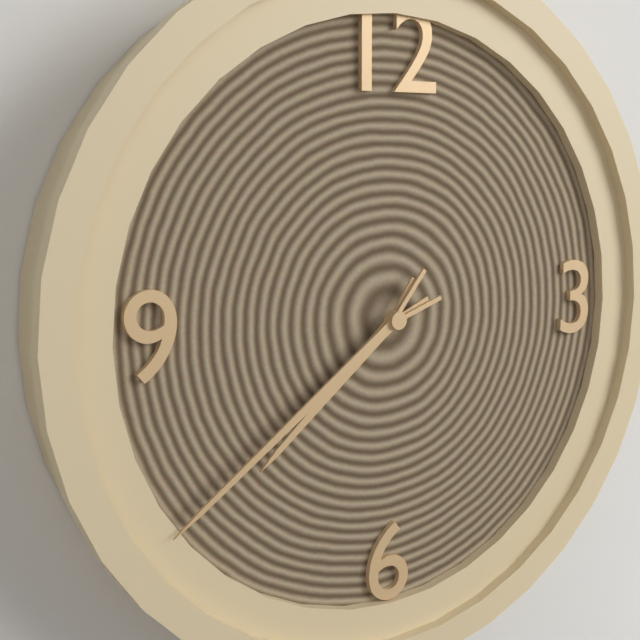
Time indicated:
7h39
